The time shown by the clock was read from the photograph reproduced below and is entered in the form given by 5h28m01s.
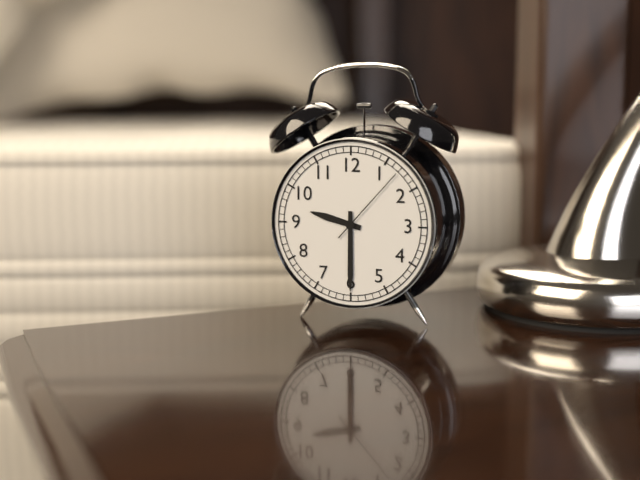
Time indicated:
9h30m07s
